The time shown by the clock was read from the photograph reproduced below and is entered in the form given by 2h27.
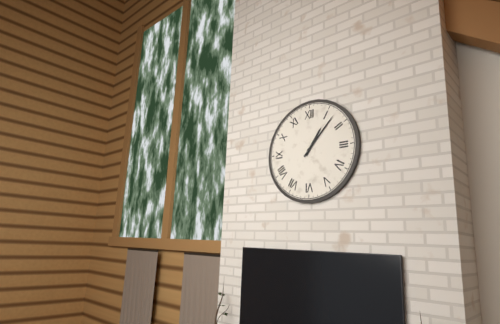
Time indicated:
1h07
